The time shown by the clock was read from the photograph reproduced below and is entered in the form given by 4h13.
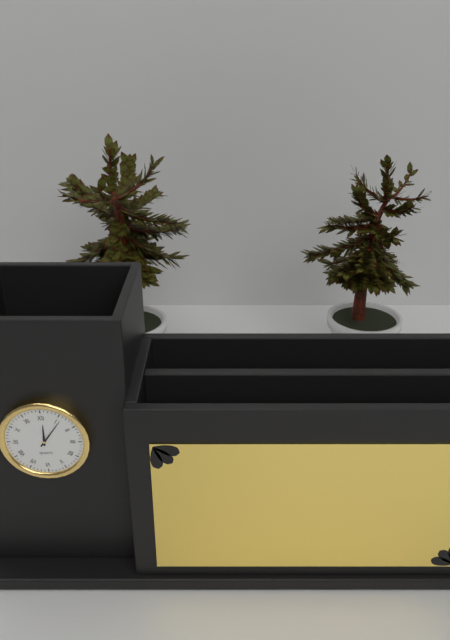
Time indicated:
12h06
